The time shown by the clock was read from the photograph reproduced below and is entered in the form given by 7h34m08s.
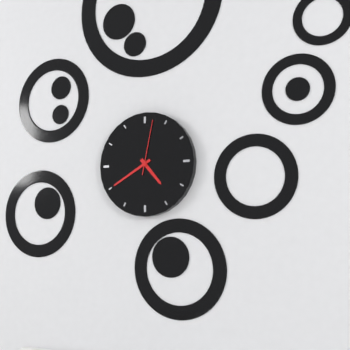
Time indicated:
4h40m02s
